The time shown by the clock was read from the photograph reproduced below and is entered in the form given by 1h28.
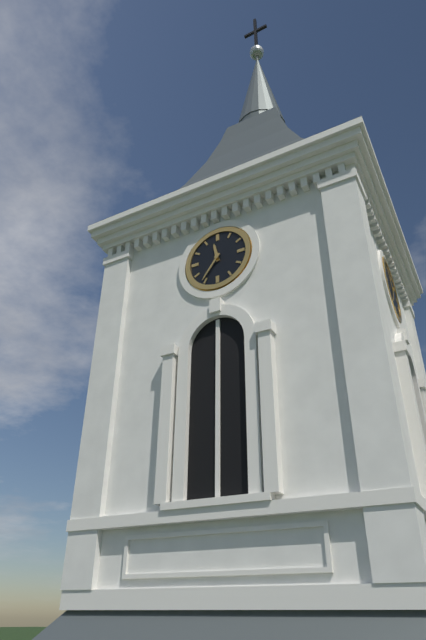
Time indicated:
11h36
